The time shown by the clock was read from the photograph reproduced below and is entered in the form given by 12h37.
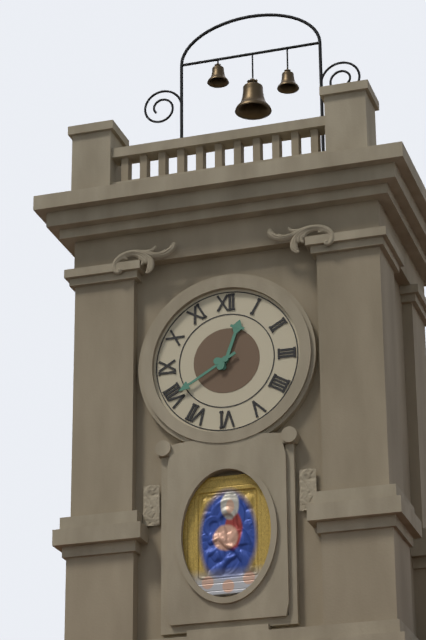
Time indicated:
12h40
